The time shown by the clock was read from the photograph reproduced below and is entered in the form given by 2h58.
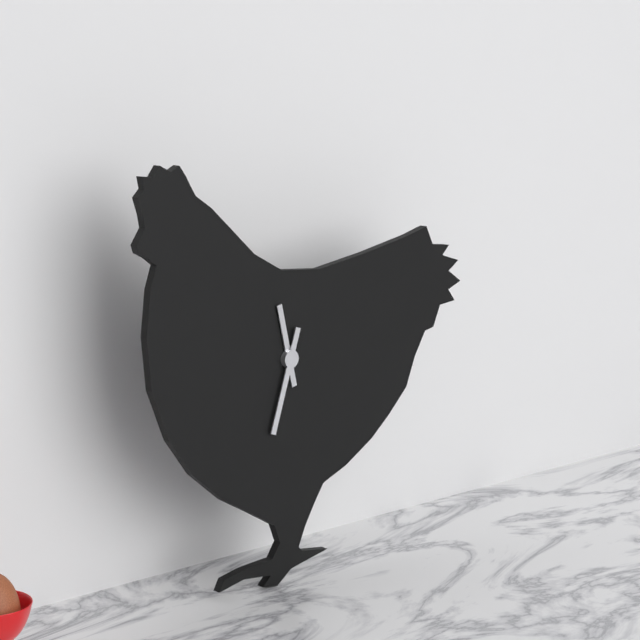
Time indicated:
11h33
